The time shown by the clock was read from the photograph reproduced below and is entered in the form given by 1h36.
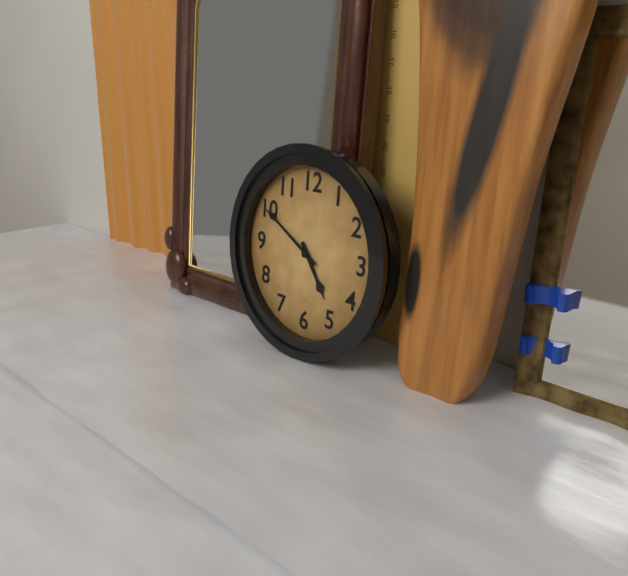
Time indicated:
4h50
